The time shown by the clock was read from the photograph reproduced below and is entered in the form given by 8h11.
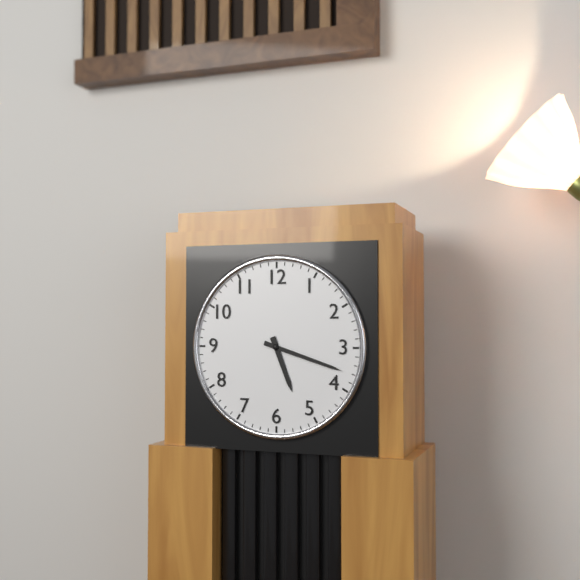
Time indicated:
5h18
